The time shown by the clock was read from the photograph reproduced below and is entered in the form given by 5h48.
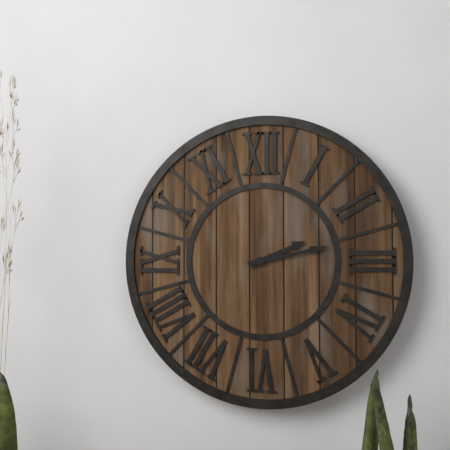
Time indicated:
2h13
